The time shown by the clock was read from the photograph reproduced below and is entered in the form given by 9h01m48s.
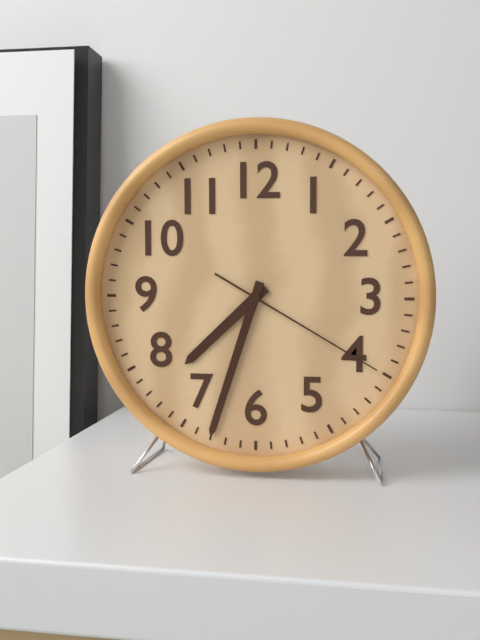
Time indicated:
7h33m20s
